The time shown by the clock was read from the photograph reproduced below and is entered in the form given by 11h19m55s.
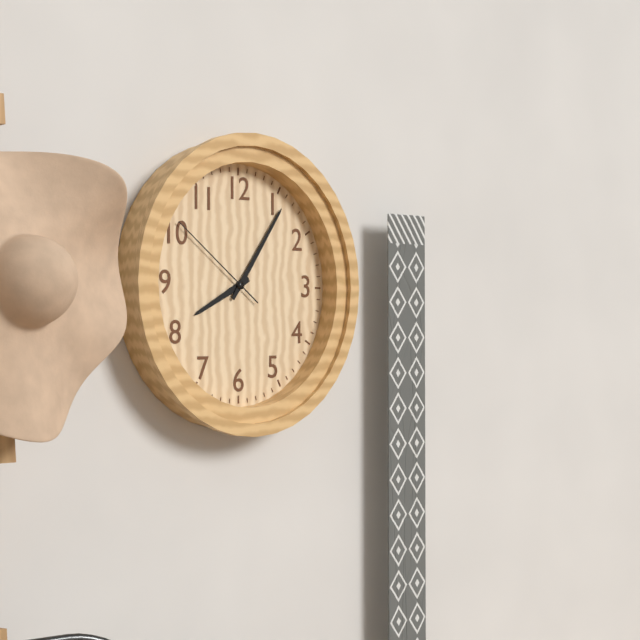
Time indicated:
8h06m51s
